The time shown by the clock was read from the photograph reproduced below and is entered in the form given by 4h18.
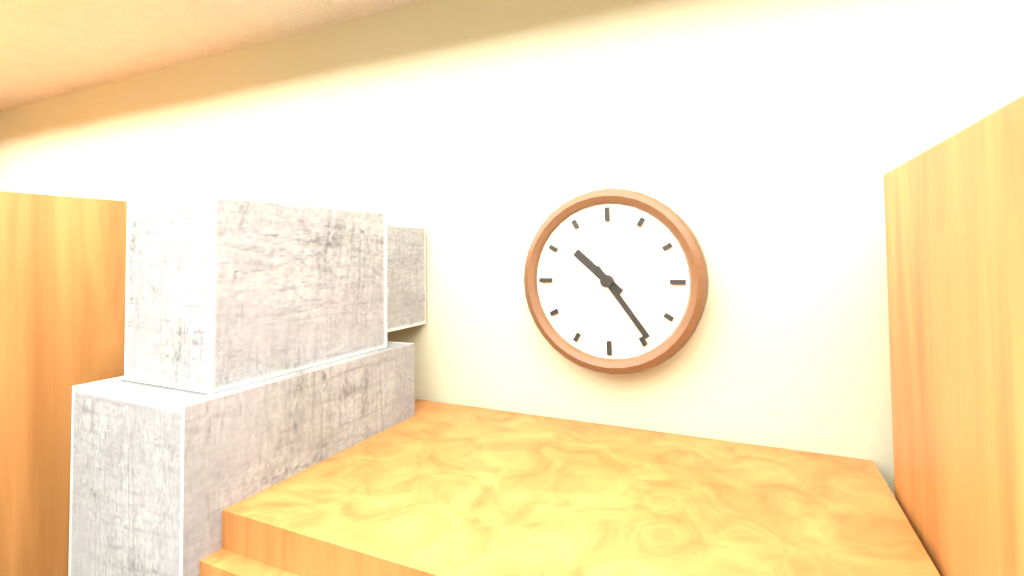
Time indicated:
10h24
